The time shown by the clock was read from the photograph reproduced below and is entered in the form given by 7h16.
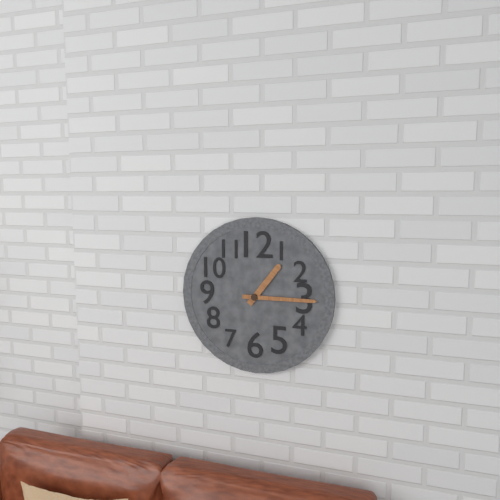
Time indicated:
1h15
